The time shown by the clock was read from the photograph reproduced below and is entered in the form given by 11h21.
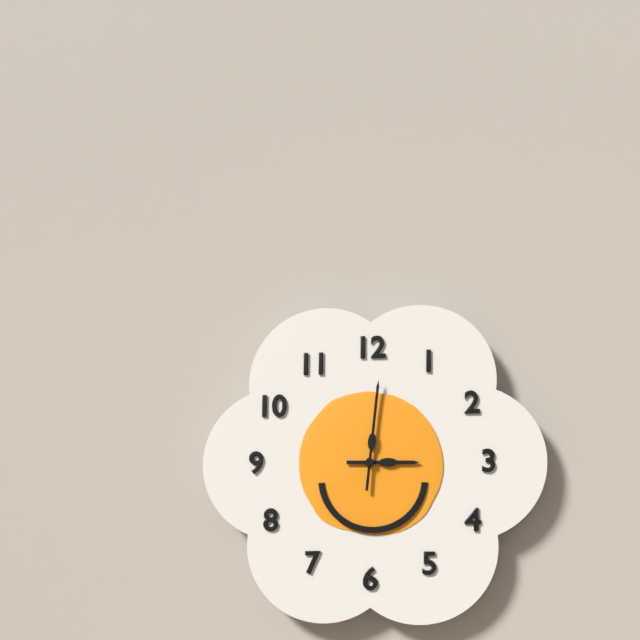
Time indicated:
3h01
